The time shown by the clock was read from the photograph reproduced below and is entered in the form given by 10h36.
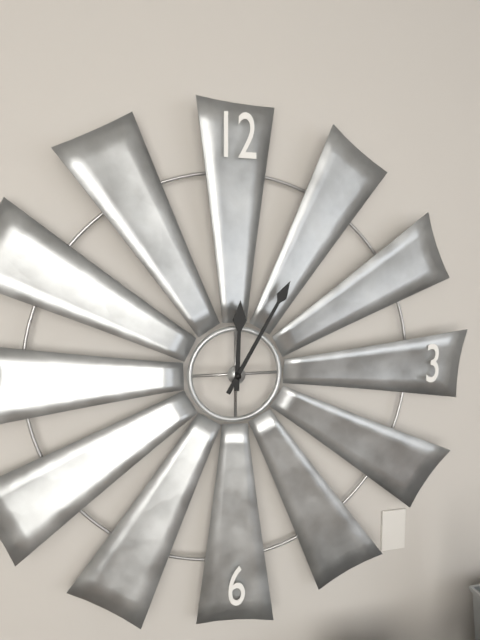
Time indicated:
12h05
